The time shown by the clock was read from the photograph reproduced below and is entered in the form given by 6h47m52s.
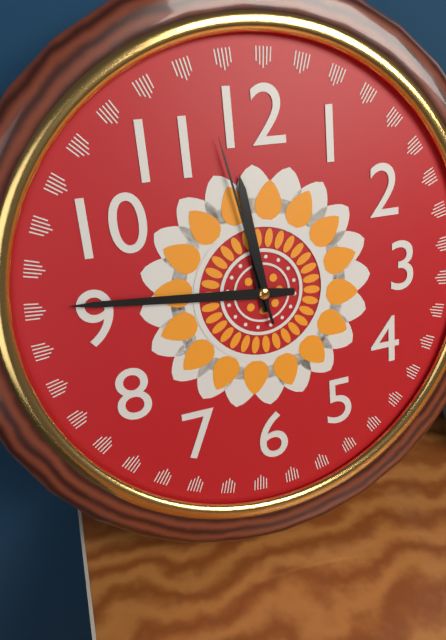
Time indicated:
11h46m58s
